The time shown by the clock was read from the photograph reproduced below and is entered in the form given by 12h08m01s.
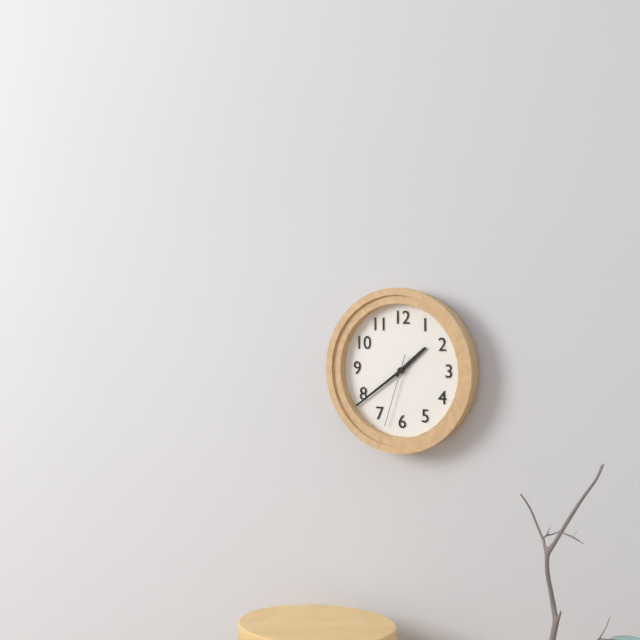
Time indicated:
1h39m33s
